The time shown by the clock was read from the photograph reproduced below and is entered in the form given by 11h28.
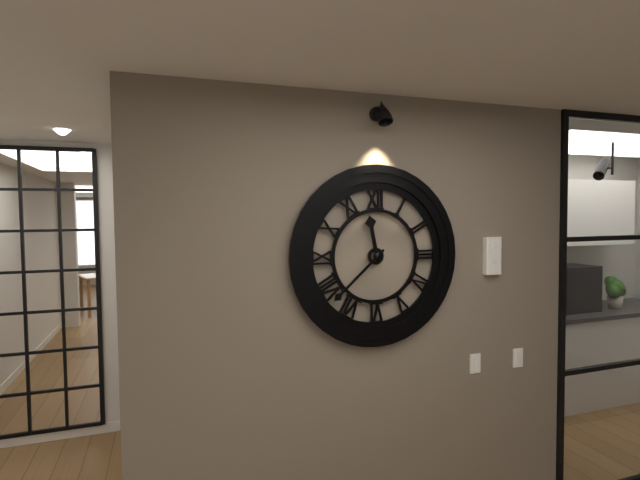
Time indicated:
11h38
